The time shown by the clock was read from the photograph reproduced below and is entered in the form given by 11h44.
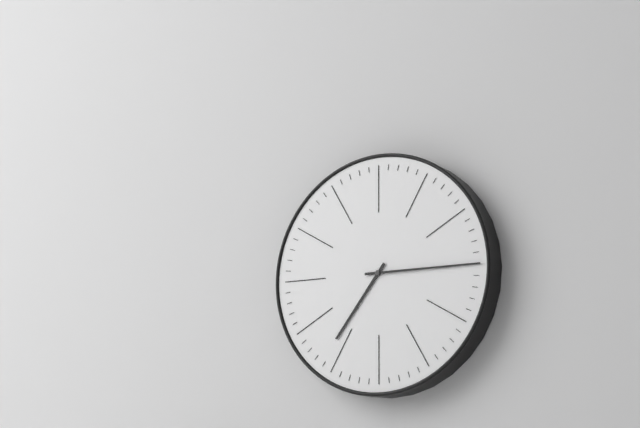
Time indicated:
7h15
